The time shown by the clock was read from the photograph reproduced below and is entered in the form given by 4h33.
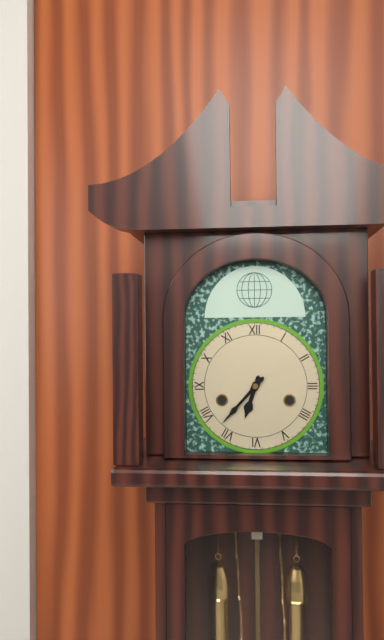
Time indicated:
6h37
